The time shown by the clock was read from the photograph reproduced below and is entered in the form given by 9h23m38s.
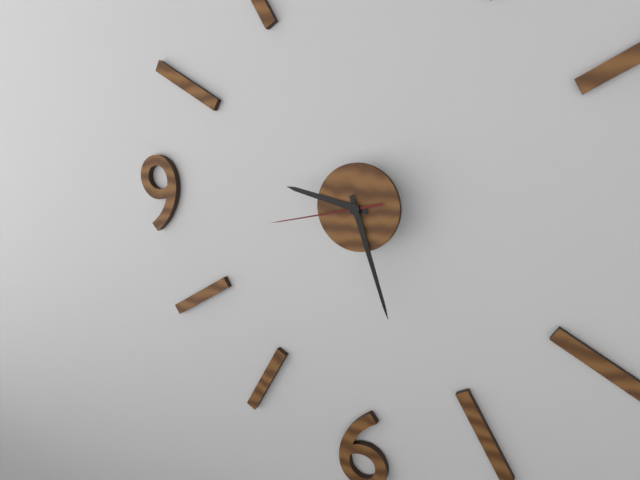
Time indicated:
9h27m43s
